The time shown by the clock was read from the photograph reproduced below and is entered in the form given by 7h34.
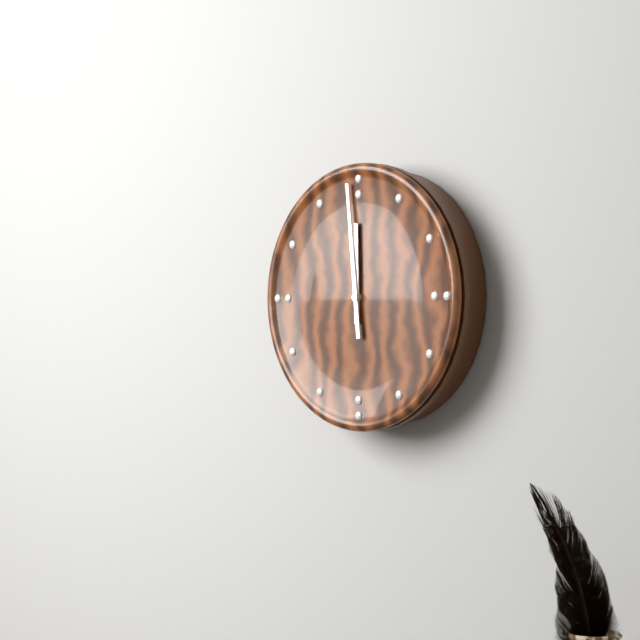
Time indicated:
11h59
